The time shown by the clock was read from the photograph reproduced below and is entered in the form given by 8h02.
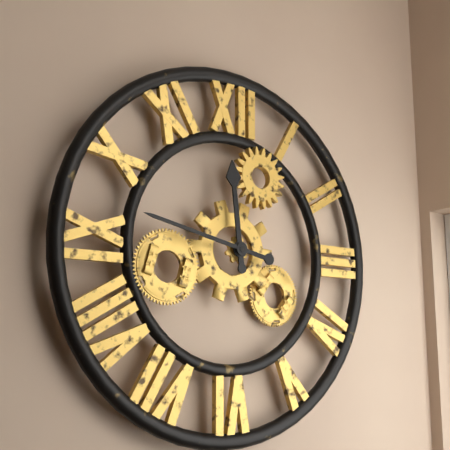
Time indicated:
11h47
